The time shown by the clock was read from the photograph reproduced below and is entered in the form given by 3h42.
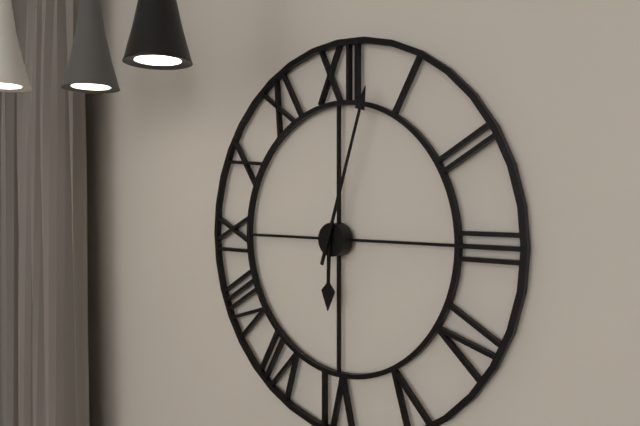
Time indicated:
6h03
